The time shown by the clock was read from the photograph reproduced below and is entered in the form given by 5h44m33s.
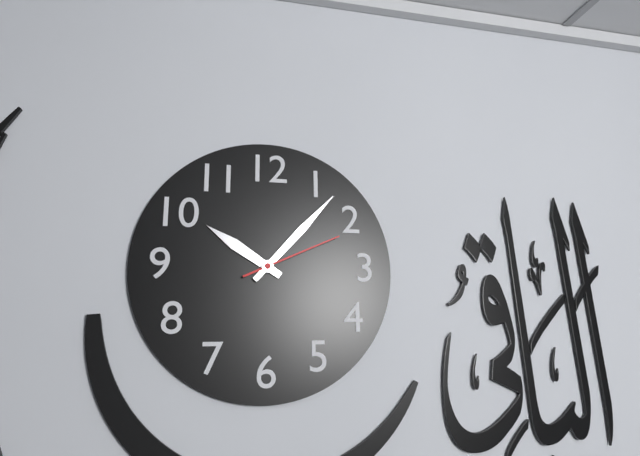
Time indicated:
10h07m11s
